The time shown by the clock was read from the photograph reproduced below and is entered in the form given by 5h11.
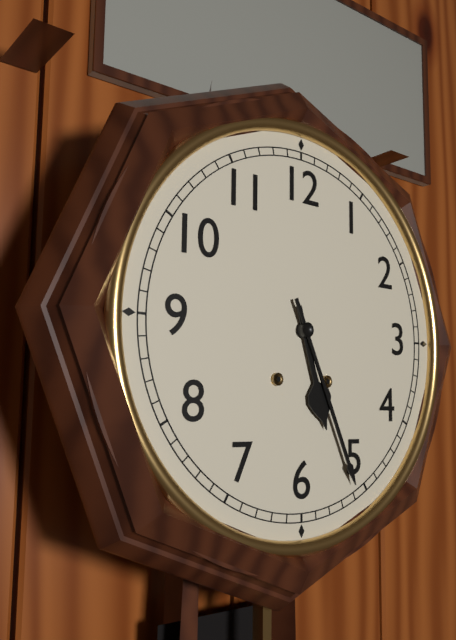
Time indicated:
5h26
